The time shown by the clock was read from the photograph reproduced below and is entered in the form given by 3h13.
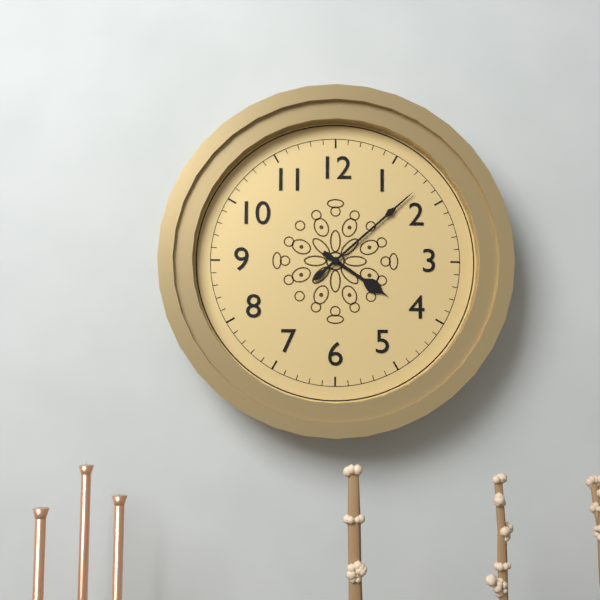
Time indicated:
4h08
